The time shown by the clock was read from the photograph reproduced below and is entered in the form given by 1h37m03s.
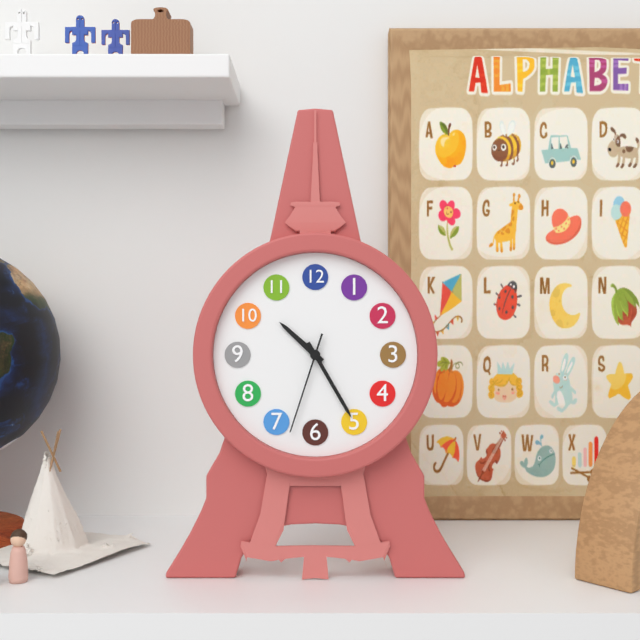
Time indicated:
10h25m33s
